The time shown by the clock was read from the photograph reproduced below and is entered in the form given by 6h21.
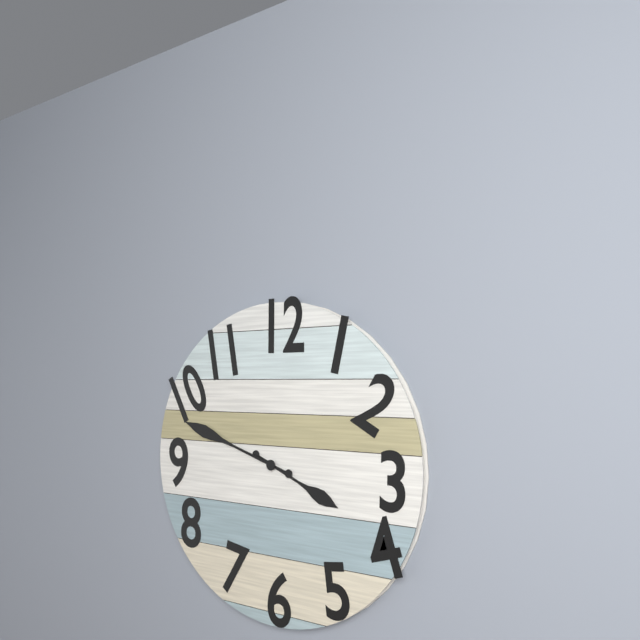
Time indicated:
3h48
